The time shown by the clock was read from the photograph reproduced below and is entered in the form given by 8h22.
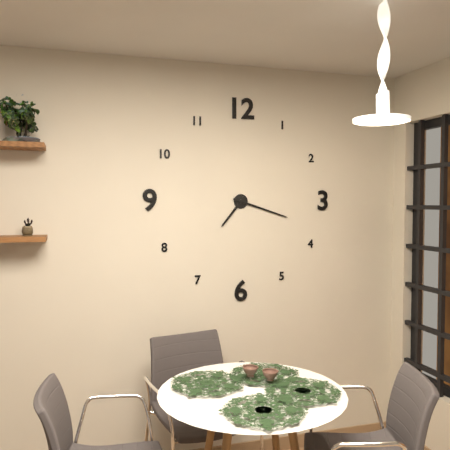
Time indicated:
7h18
